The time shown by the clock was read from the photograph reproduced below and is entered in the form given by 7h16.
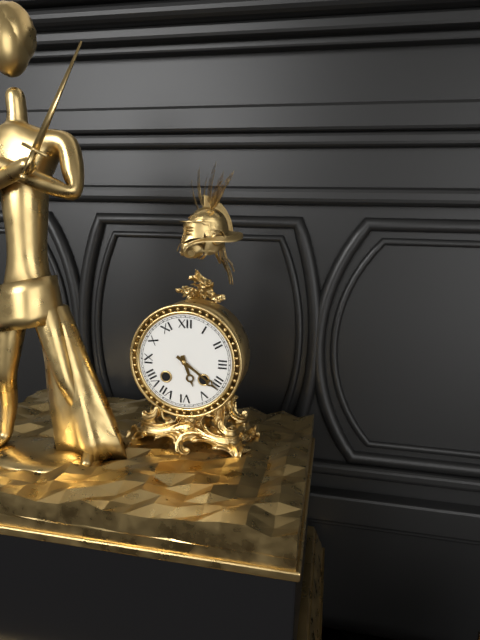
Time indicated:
5h21
